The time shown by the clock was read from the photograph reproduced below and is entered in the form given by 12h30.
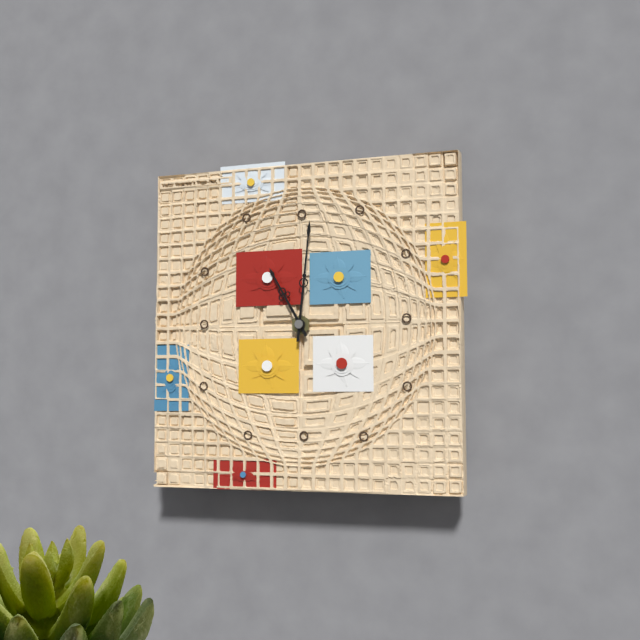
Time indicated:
11h01
